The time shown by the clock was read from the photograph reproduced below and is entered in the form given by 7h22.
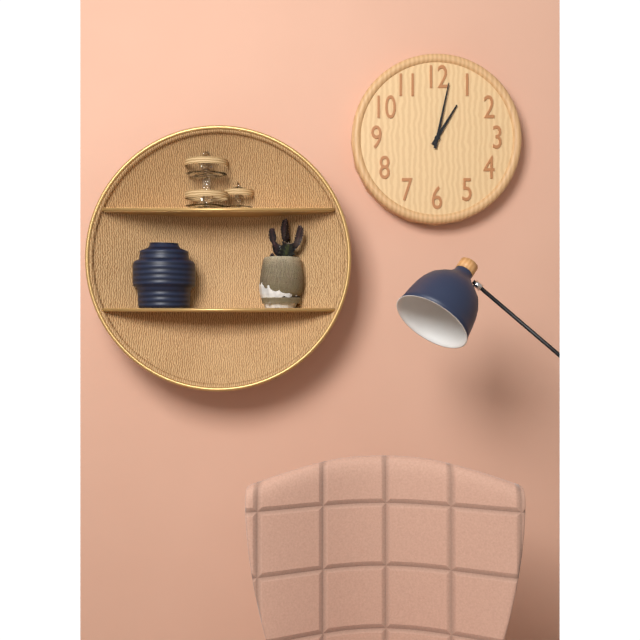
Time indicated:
1h02
